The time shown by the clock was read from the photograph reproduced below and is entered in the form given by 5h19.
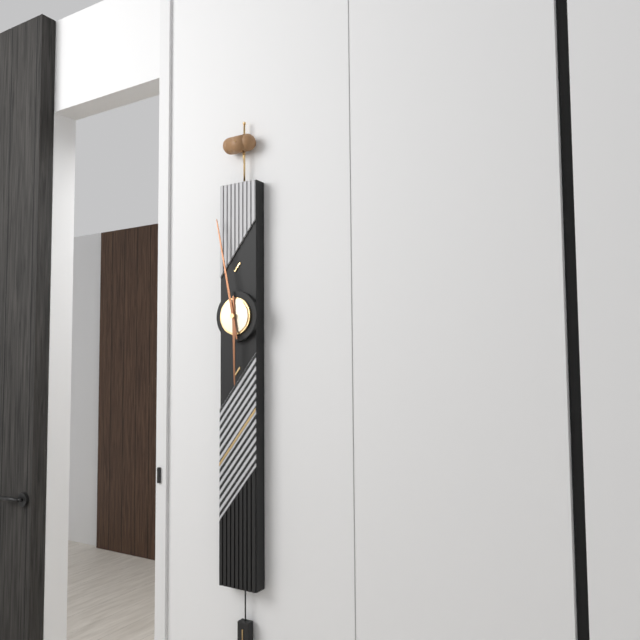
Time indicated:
5h58
